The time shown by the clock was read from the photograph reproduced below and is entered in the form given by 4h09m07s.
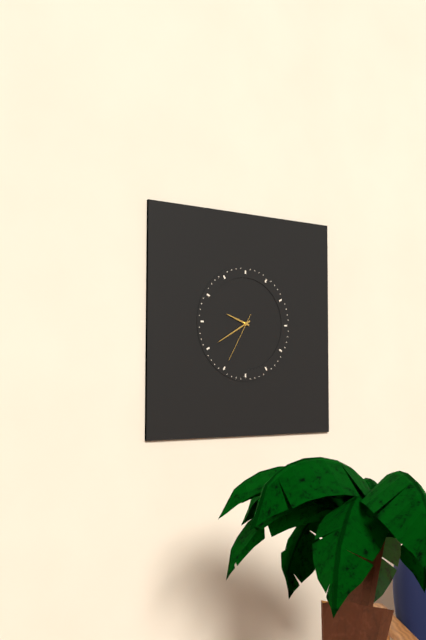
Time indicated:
9h40m35s
